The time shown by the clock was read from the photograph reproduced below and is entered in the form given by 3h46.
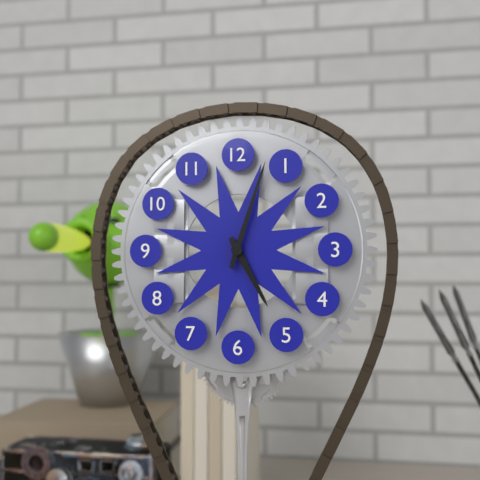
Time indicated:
5h03
